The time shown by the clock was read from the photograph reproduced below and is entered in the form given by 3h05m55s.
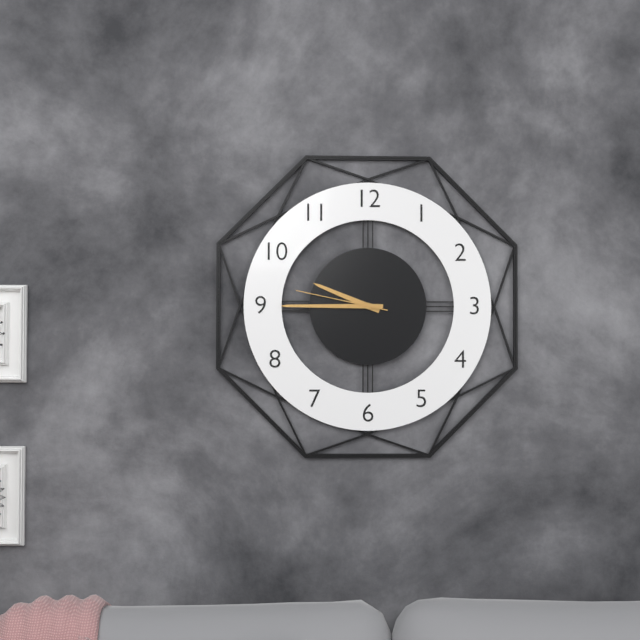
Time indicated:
9h45m47s
